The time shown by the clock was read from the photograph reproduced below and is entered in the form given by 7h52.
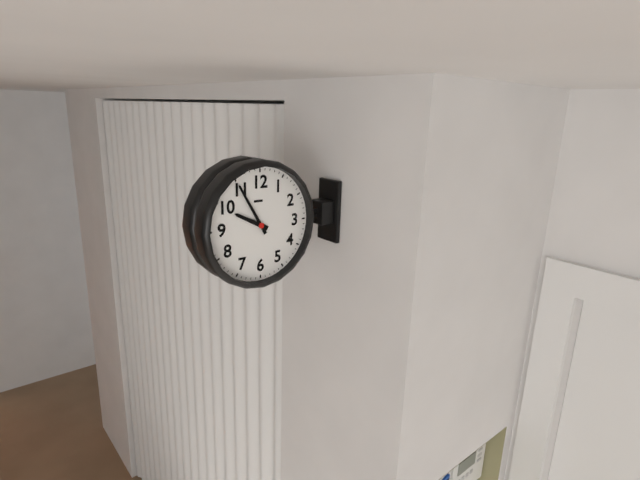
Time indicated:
9h55
